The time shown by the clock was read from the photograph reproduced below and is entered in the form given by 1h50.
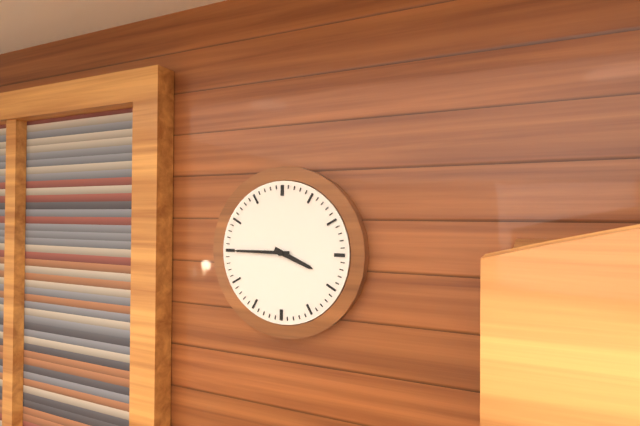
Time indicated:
3h45
